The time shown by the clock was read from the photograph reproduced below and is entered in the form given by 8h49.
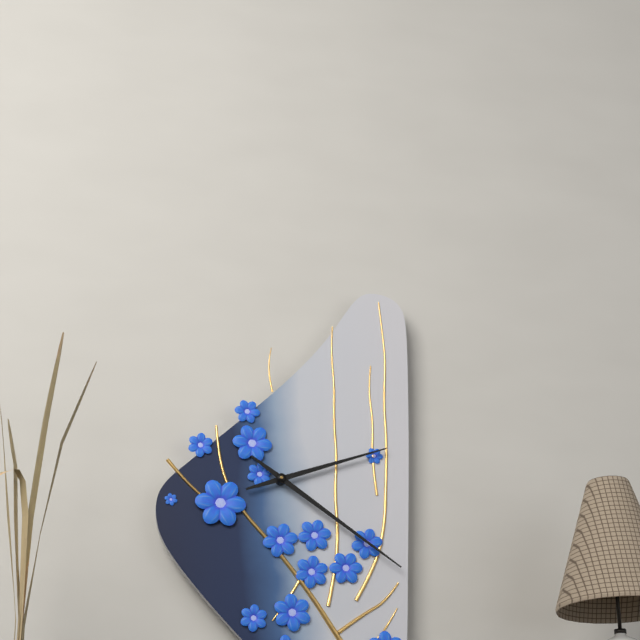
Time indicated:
2h21
